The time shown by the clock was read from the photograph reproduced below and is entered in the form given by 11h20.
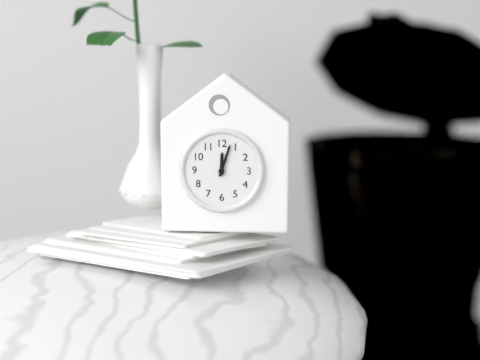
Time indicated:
12h03
